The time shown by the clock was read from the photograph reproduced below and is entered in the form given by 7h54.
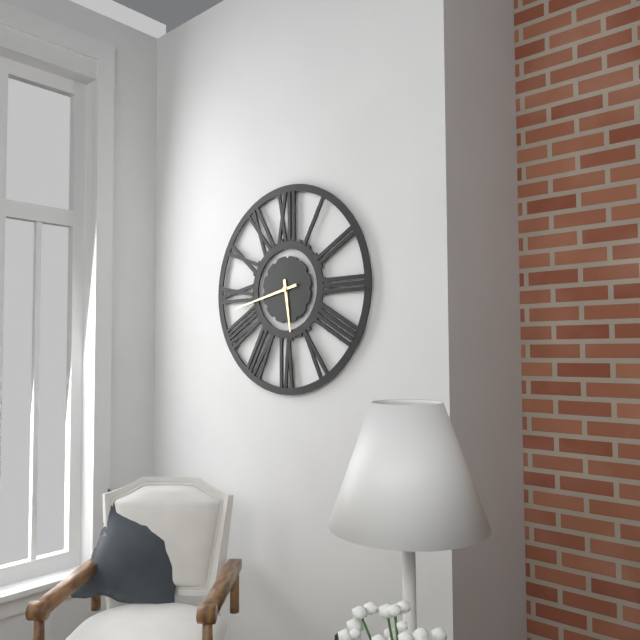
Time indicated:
5h43
